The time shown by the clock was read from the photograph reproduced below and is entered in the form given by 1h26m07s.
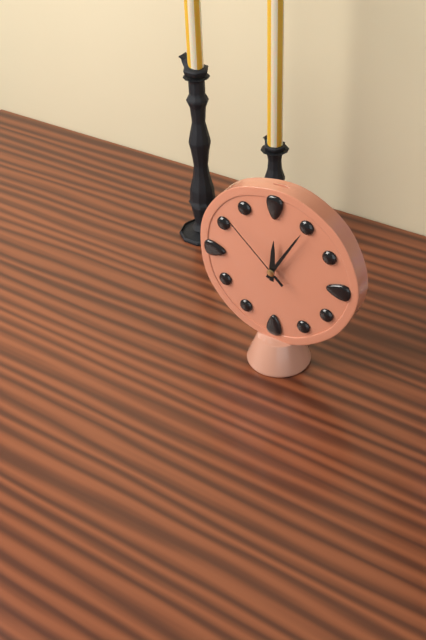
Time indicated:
12h05m52s
